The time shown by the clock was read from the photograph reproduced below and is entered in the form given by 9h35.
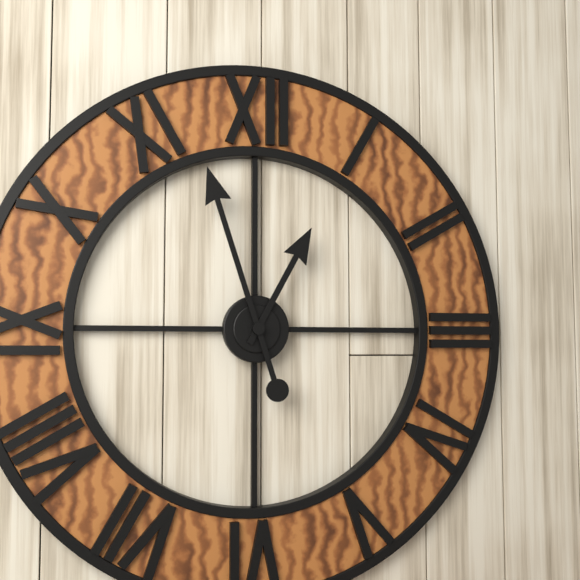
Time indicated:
12h57
